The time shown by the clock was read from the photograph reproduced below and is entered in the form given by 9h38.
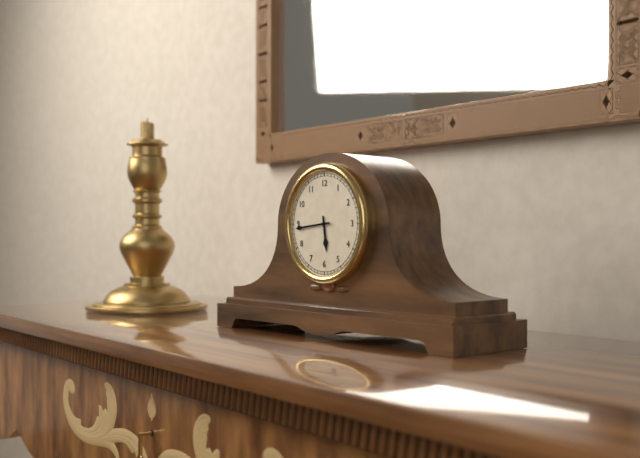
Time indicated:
5h44
